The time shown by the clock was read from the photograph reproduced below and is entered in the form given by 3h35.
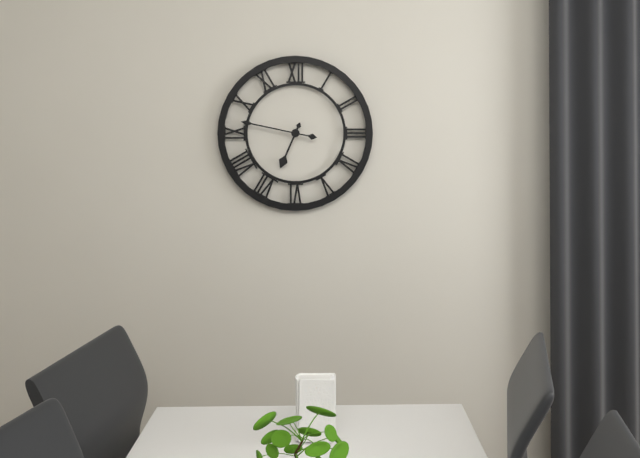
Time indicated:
6h47
